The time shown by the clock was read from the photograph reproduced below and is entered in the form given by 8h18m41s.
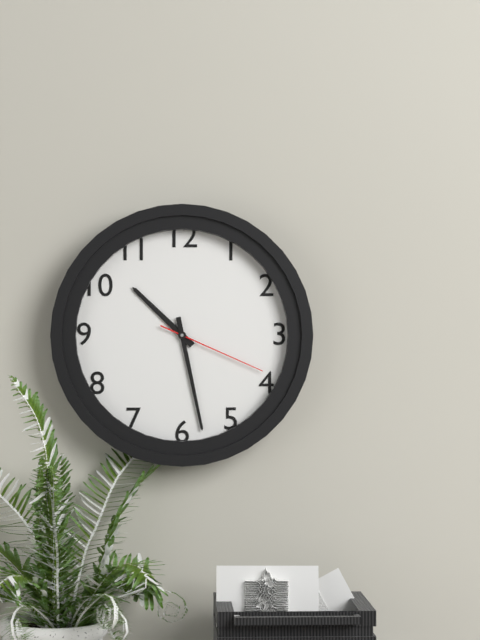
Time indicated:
10h28m19s
